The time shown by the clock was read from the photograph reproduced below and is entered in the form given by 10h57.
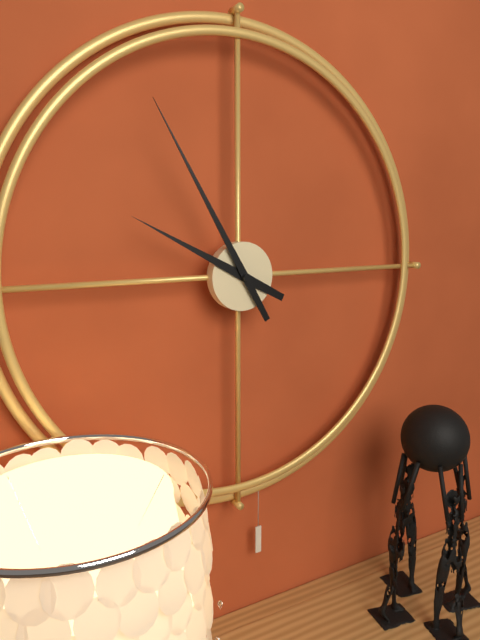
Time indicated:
9h55
